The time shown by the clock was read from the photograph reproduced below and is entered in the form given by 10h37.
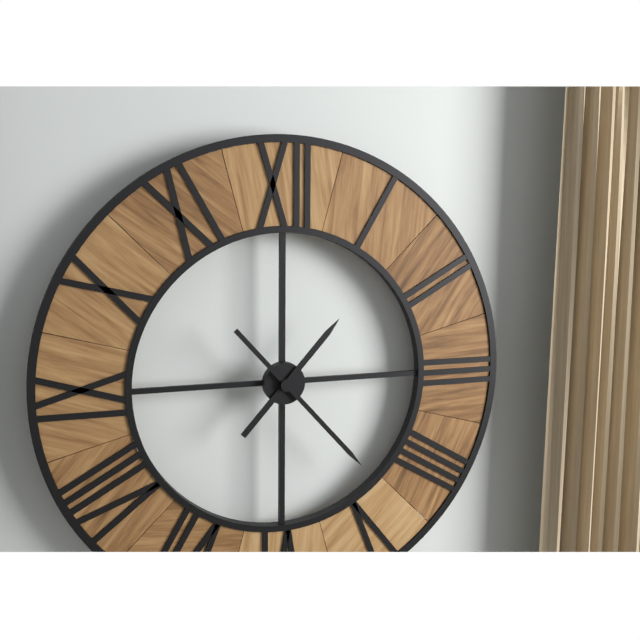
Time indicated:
1h23
